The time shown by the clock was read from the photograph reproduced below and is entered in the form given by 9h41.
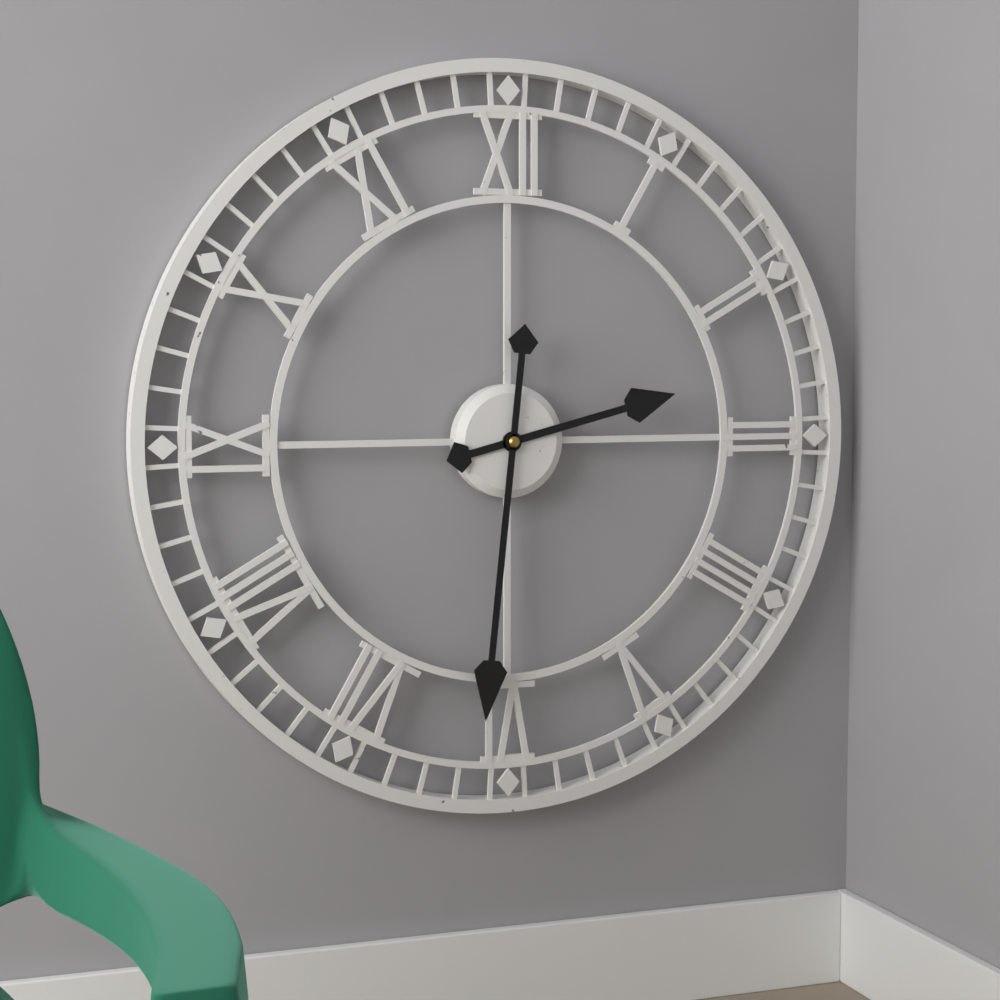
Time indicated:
2h31
